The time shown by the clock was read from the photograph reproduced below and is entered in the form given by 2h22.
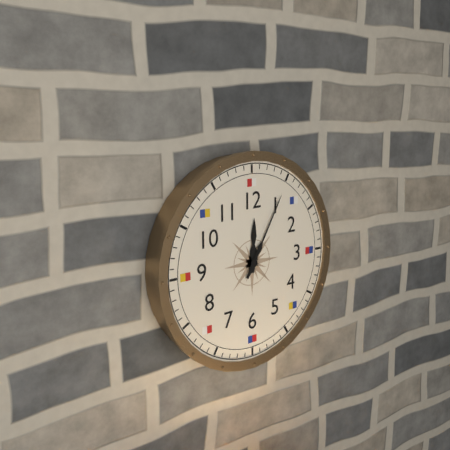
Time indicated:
12h05
